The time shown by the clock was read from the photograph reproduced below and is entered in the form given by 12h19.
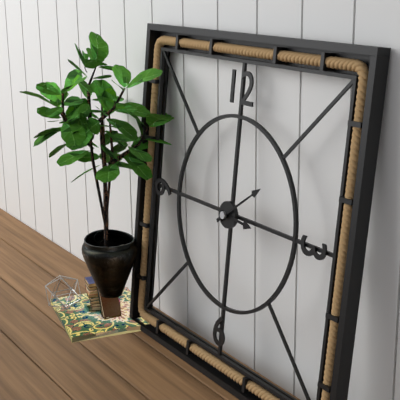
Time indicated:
3h09
